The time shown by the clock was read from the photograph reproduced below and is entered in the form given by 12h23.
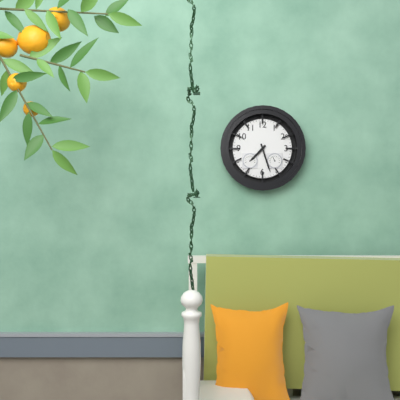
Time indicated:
7h27
